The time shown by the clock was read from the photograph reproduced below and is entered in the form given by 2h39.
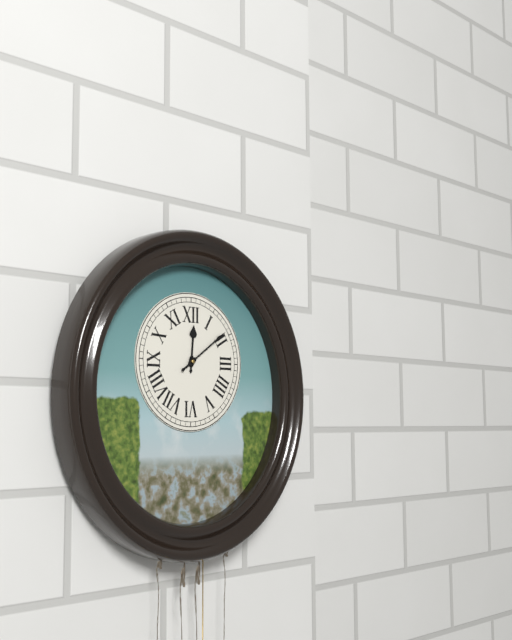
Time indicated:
12h09
